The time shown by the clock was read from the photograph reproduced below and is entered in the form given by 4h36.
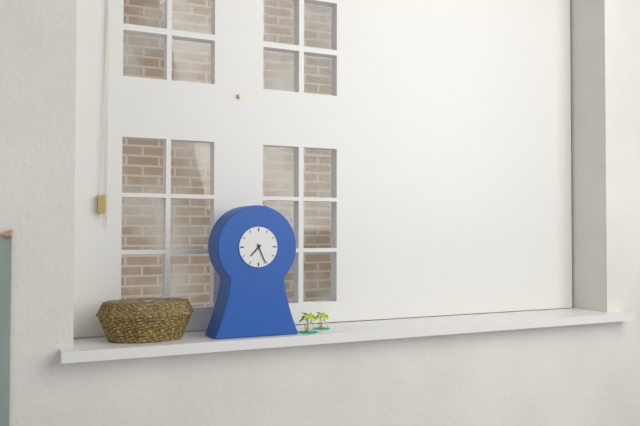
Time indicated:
7h26
